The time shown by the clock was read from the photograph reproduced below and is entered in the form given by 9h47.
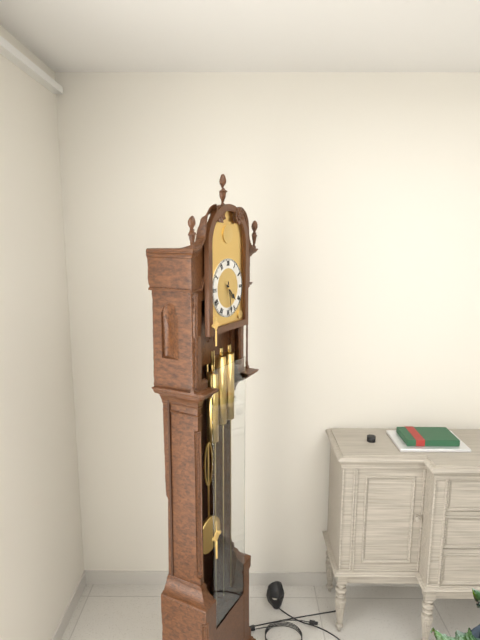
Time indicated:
4h28
